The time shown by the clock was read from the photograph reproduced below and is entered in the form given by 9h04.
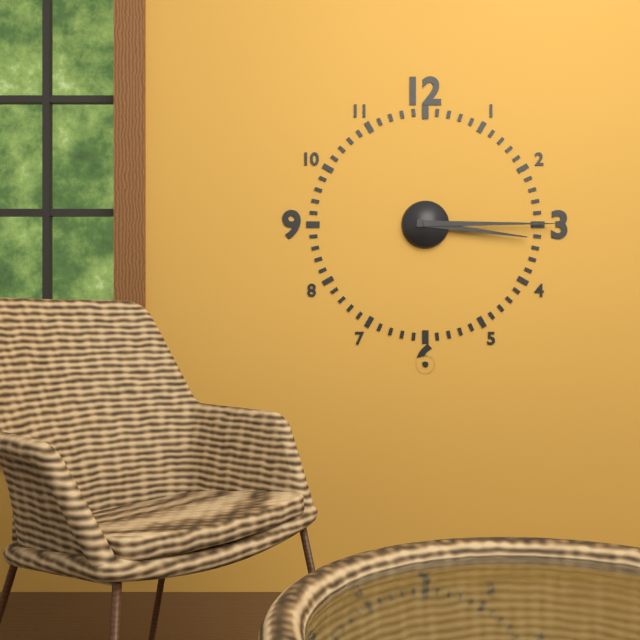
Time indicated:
3h15
